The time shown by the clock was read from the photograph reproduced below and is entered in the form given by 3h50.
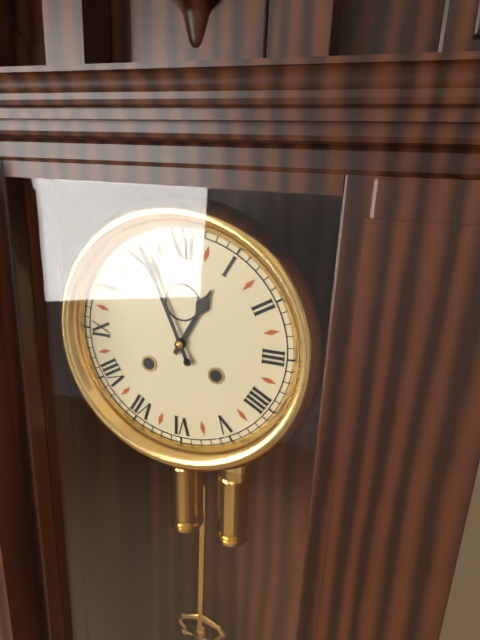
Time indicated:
12h56
